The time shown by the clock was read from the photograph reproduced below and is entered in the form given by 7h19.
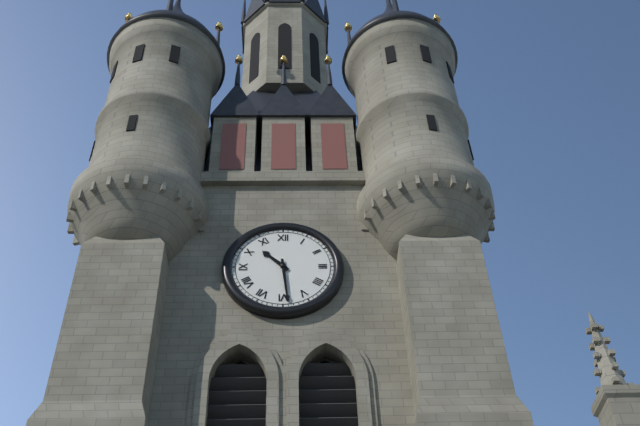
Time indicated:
10h29
